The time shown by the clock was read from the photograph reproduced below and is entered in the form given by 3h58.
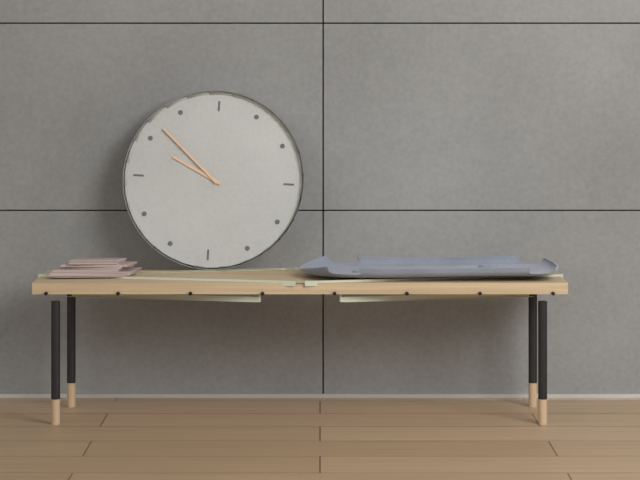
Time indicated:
9h52
